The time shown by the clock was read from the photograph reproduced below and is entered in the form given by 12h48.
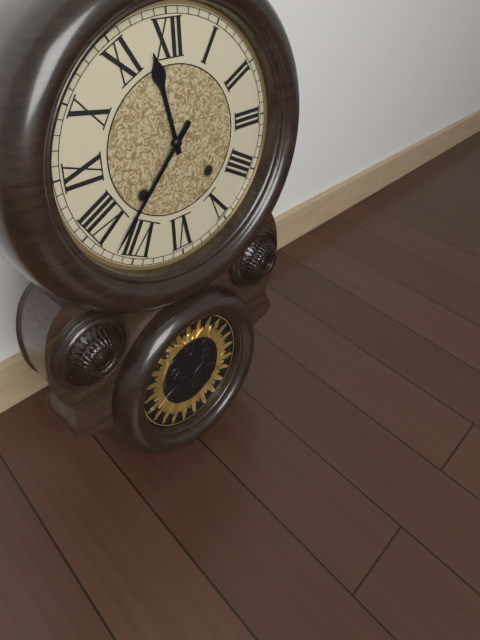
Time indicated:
11h37
